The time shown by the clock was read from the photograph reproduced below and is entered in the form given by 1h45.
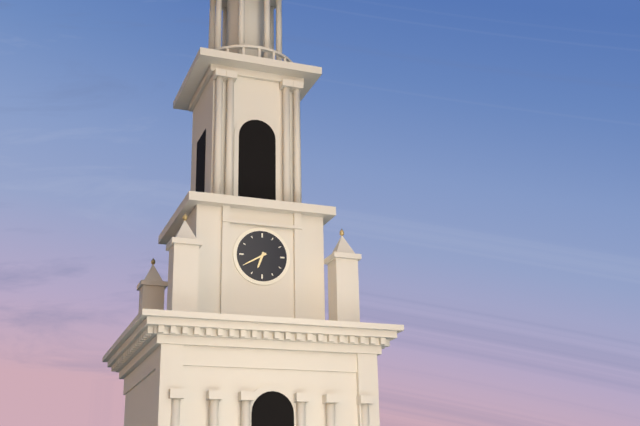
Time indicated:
6h40
